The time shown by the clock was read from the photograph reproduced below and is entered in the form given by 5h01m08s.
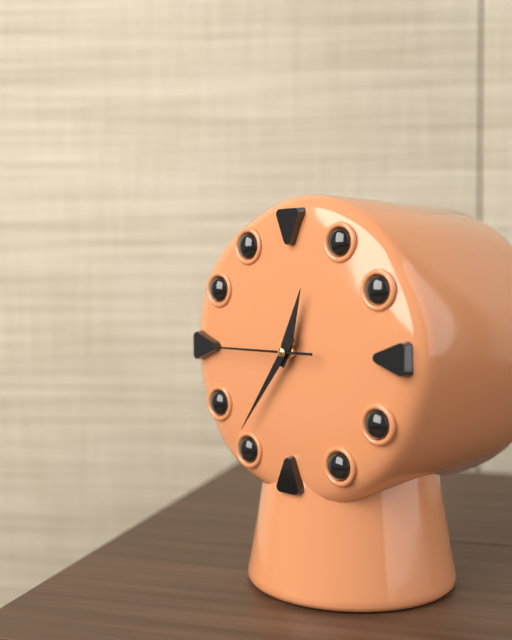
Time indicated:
12h36m45s
